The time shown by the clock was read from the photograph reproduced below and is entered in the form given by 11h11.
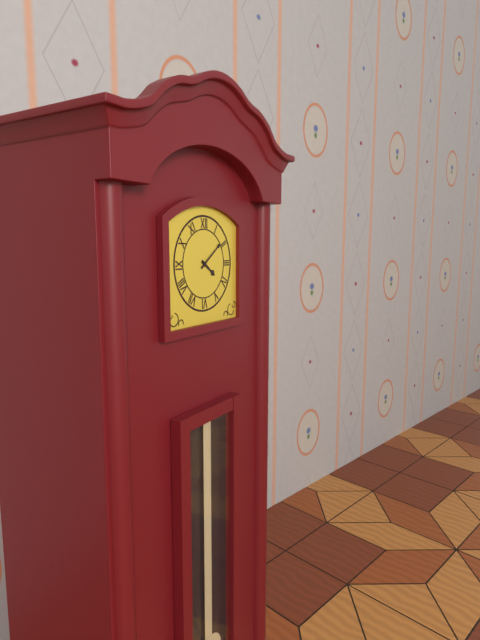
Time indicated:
4h09
